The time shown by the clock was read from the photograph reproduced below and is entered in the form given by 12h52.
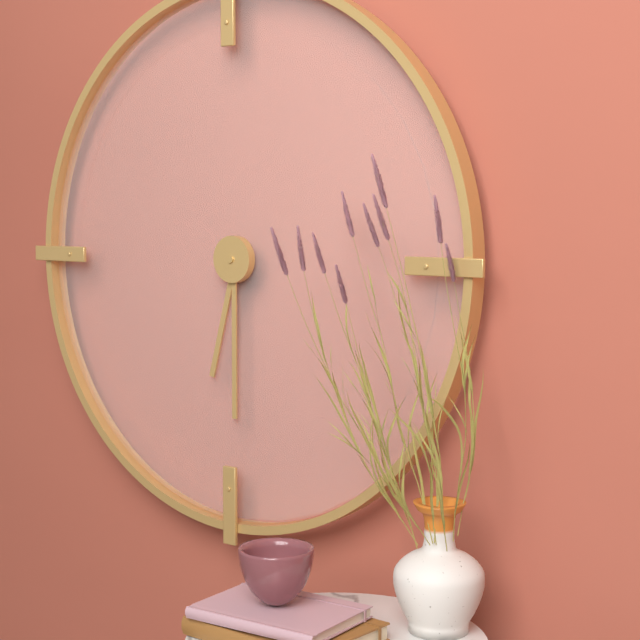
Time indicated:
6h30
